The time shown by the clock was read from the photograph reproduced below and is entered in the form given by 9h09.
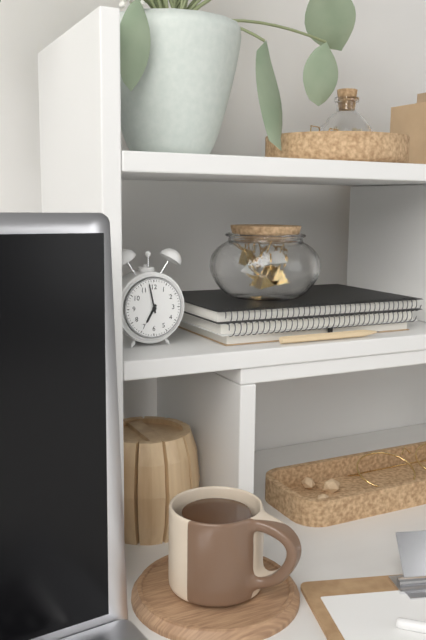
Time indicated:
6h58
